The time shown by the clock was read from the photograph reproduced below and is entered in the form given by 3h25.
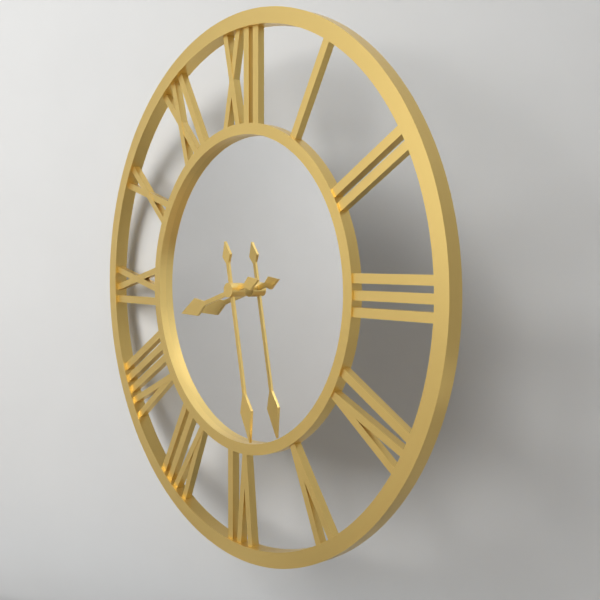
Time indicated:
8h28
